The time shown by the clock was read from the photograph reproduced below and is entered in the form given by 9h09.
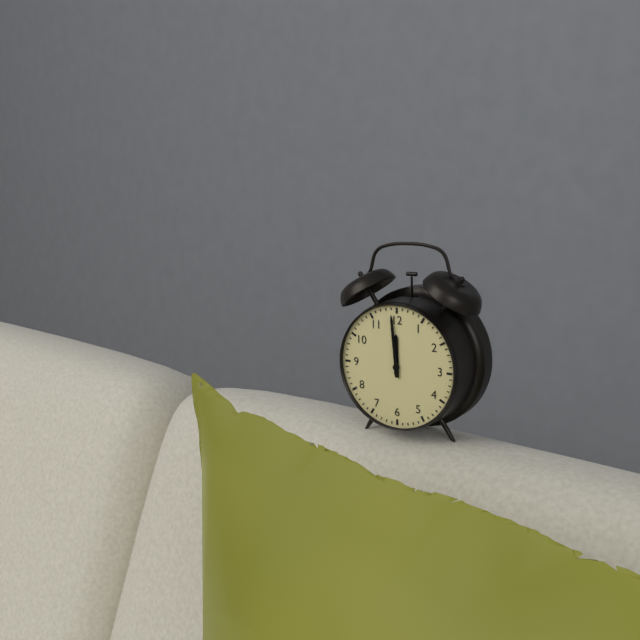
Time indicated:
11h59
